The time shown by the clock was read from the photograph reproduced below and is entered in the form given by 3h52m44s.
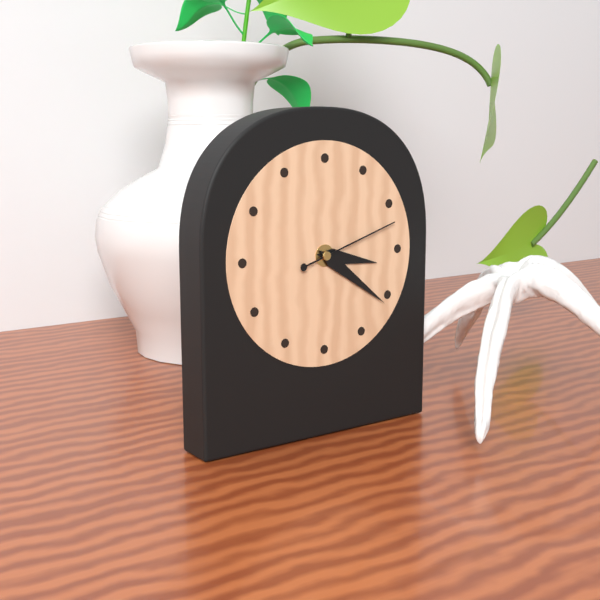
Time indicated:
3h21m12s
